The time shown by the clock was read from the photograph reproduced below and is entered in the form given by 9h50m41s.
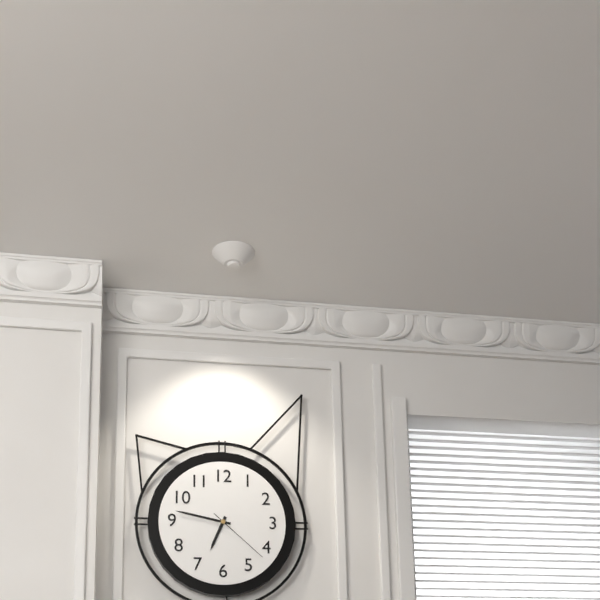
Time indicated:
6h47m22s
